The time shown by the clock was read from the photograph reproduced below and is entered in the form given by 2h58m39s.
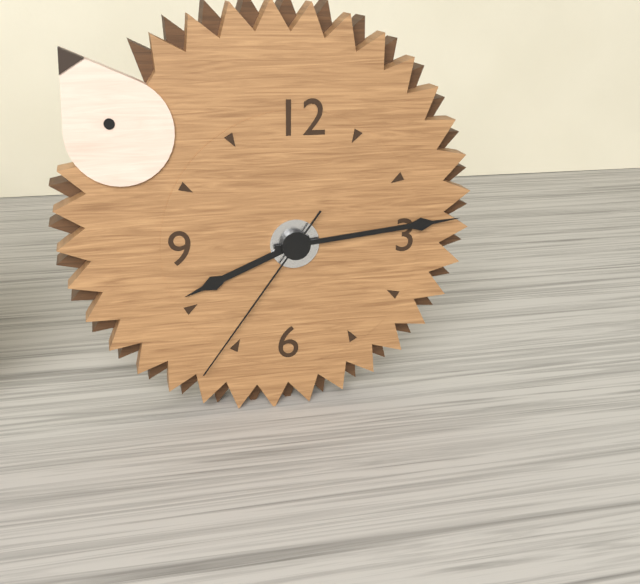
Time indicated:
8h14m36s
